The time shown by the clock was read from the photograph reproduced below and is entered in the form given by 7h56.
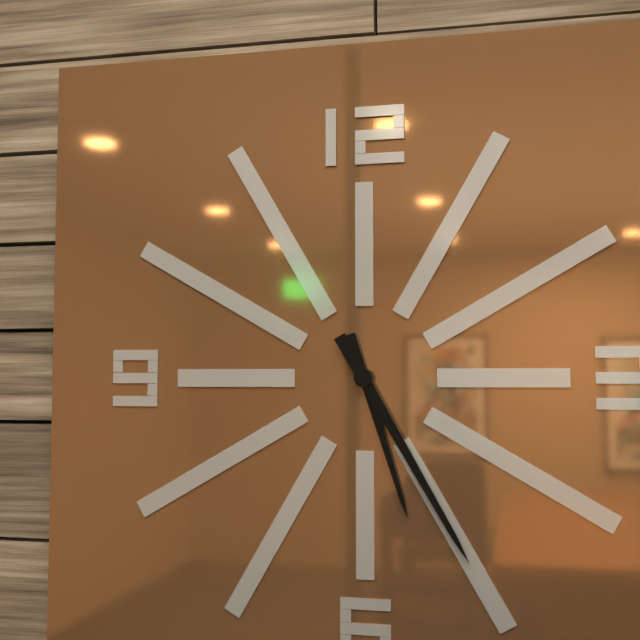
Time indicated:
5h25
